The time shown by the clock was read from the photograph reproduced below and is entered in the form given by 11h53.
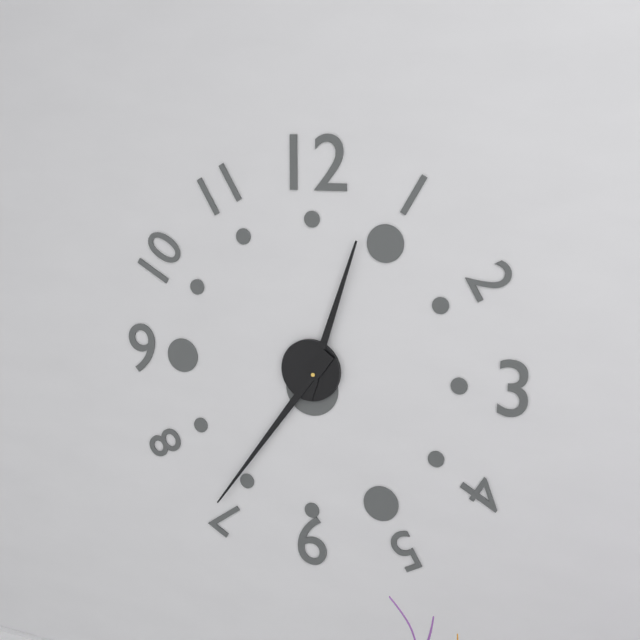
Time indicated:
12h36
